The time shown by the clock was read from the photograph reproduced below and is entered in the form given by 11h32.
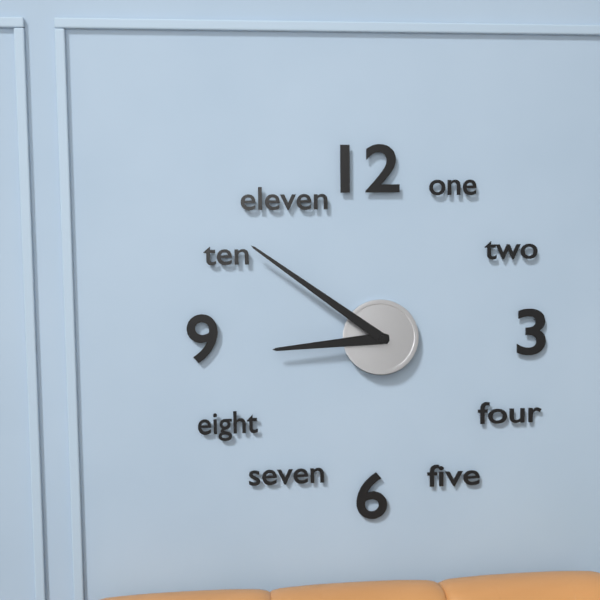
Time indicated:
8h51
